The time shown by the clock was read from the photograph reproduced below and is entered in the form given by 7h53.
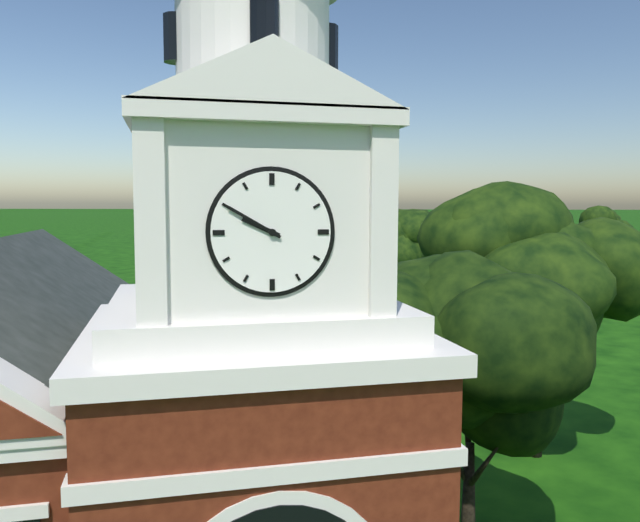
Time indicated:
9h50
